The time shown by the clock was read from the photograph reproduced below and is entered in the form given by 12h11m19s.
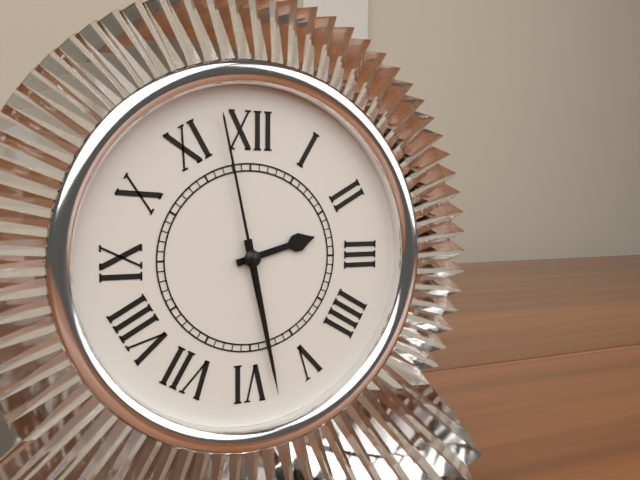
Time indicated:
2h28m58s
